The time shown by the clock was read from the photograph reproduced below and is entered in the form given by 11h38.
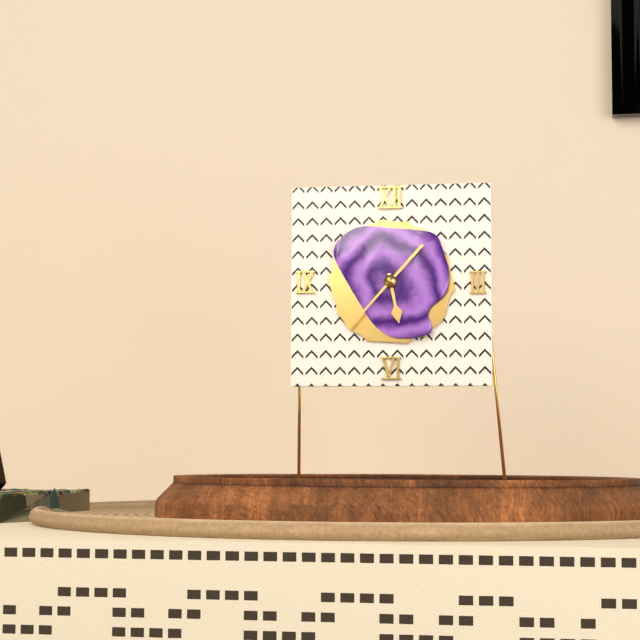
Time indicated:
5h37
